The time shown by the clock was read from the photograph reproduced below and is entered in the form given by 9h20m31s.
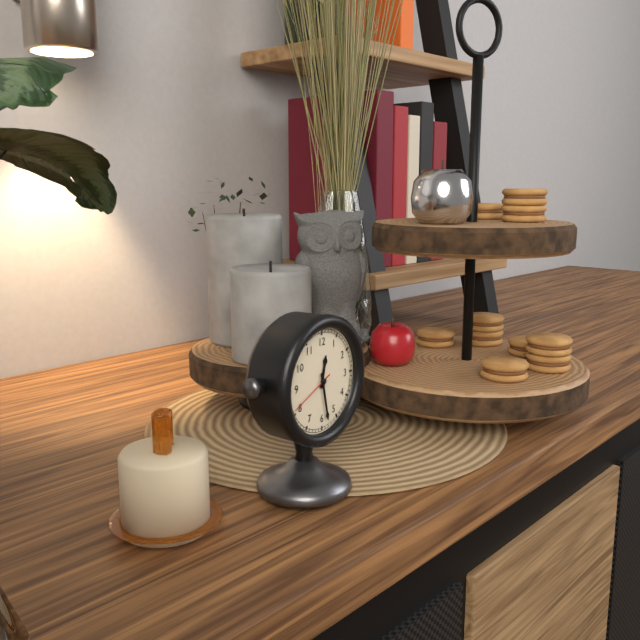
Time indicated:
12h28m41s
